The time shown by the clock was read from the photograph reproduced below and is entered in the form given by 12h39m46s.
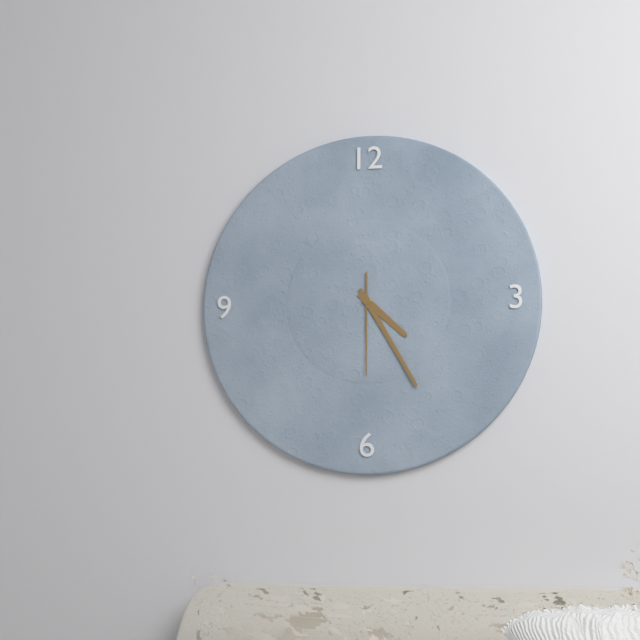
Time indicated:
4h25m30s
